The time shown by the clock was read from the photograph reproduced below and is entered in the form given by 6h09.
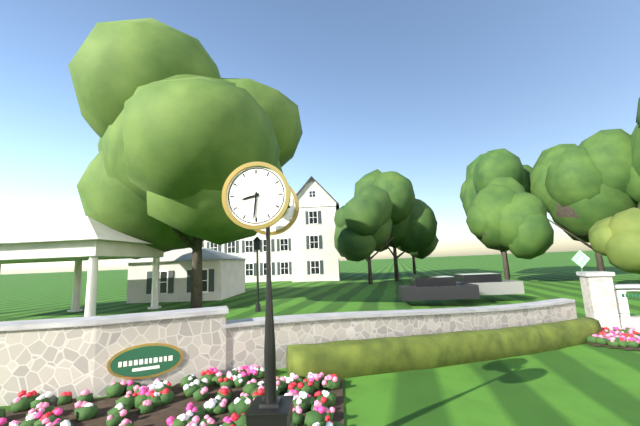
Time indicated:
8h31
